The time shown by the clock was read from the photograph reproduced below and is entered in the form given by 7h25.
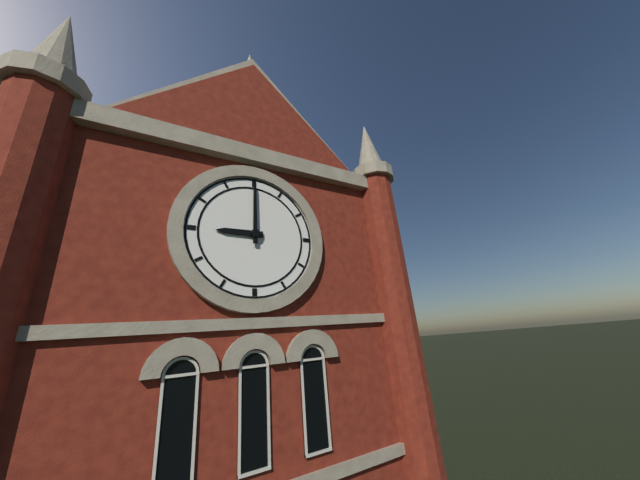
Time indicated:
9h00
